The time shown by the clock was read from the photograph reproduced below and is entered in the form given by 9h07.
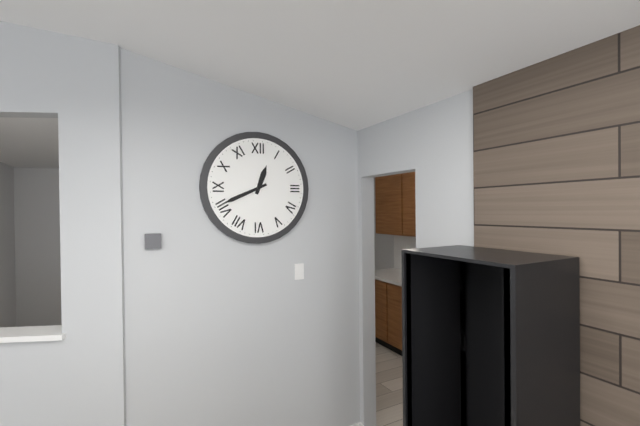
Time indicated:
12h41
